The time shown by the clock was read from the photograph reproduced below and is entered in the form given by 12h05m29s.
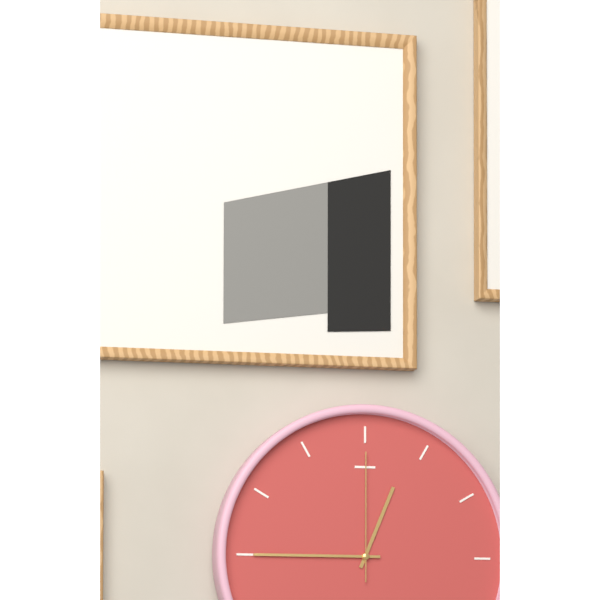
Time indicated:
12h45m00s
